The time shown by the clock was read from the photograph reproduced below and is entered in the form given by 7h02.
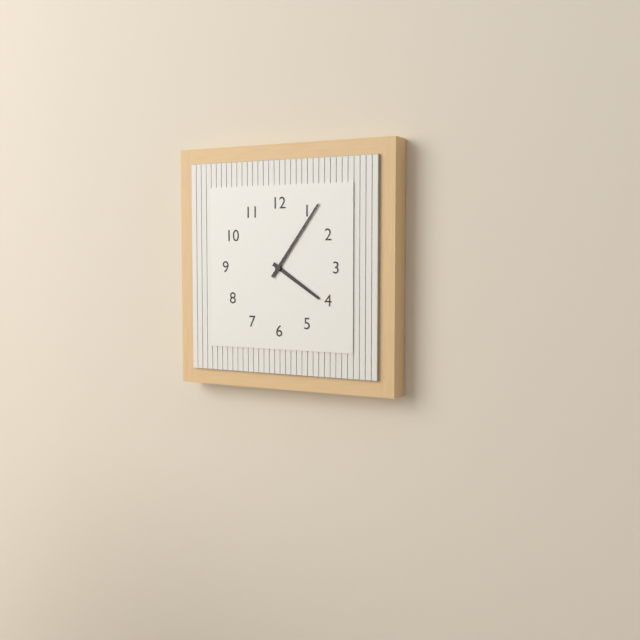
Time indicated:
4h06
